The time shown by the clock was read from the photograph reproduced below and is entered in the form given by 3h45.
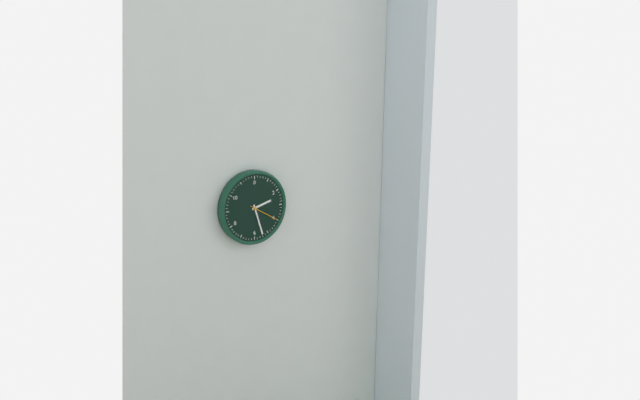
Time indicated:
2h27
